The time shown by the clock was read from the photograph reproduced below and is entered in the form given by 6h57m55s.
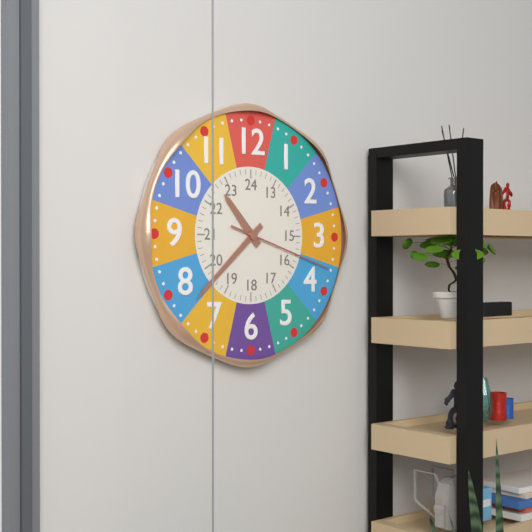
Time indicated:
10h38m18s
